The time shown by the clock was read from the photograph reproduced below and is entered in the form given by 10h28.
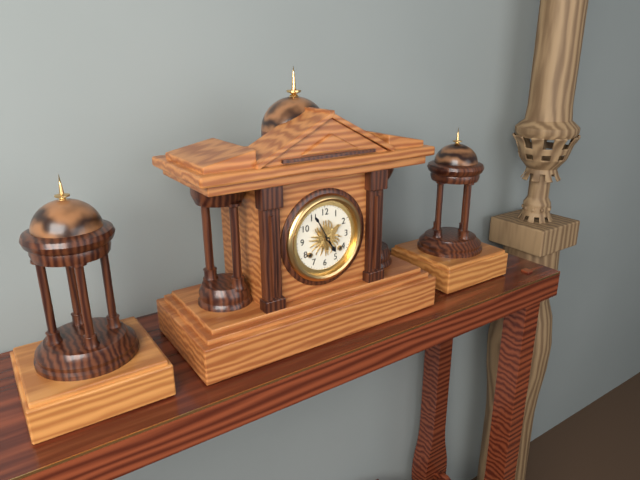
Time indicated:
4h55
